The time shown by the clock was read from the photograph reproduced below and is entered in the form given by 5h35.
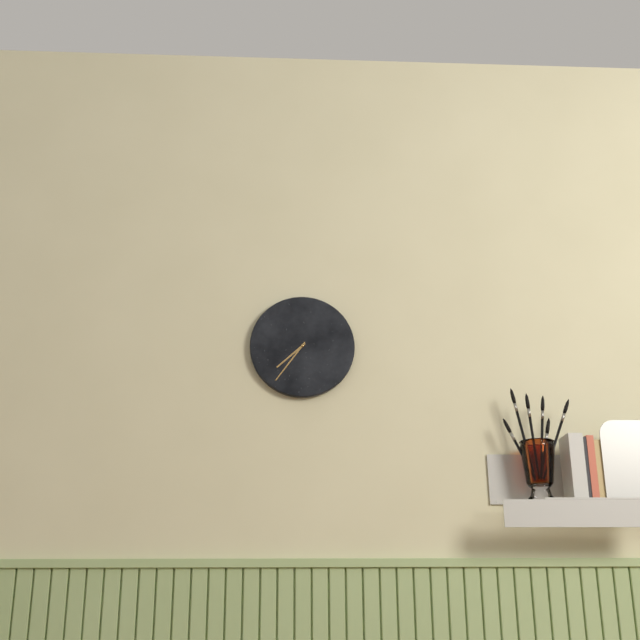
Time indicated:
7h36
